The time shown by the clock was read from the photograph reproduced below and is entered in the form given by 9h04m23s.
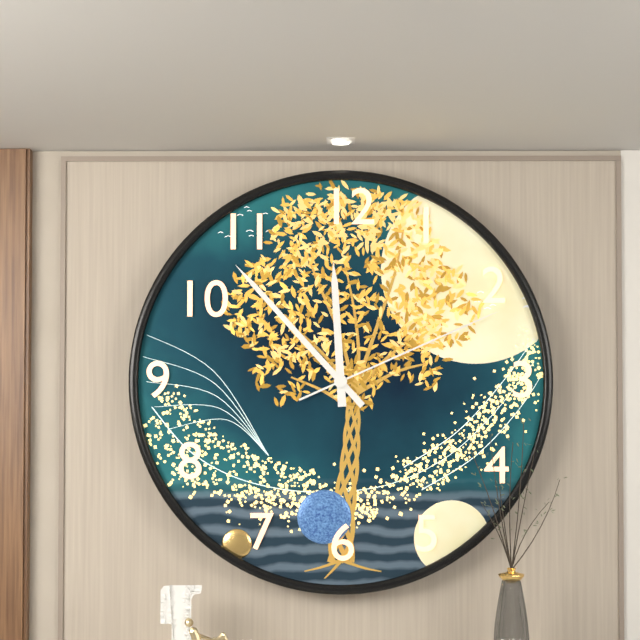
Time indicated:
11h53m11s
